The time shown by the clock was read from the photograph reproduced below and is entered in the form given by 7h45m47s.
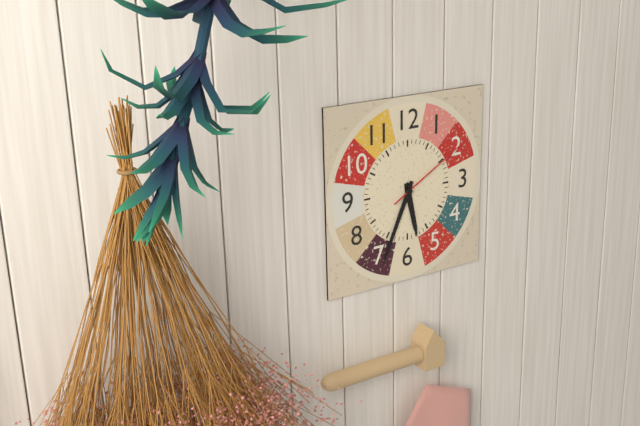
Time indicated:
5h34m10s
